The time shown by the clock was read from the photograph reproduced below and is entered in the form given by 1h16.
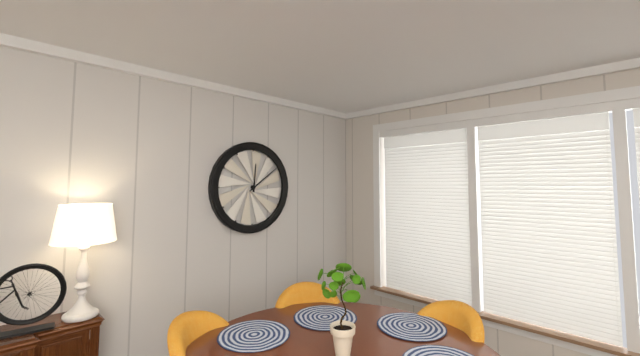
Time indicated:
12h09
